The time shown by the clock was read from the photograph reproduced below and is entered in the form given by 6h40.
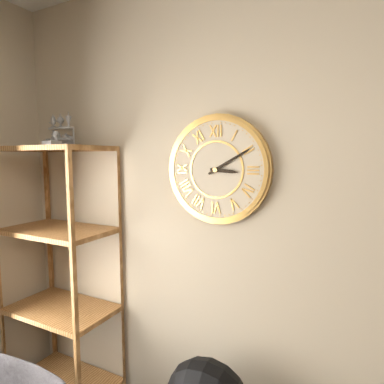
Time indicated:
3h10
